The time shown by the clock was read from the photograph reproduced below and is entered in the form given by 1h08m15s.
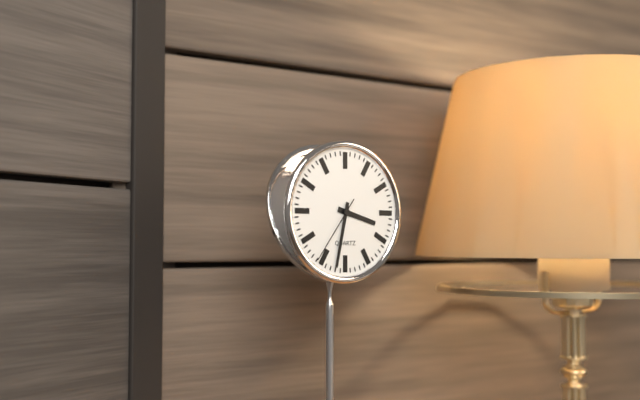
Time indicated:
3h32m36s
